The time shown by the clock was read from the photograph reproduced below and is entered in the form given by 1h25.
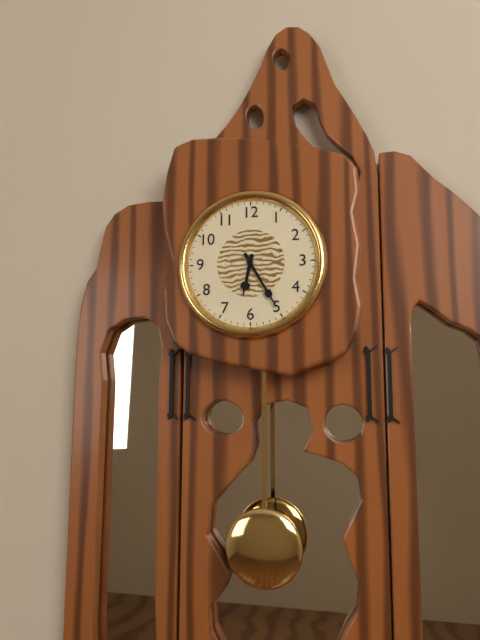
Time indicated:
6h25
